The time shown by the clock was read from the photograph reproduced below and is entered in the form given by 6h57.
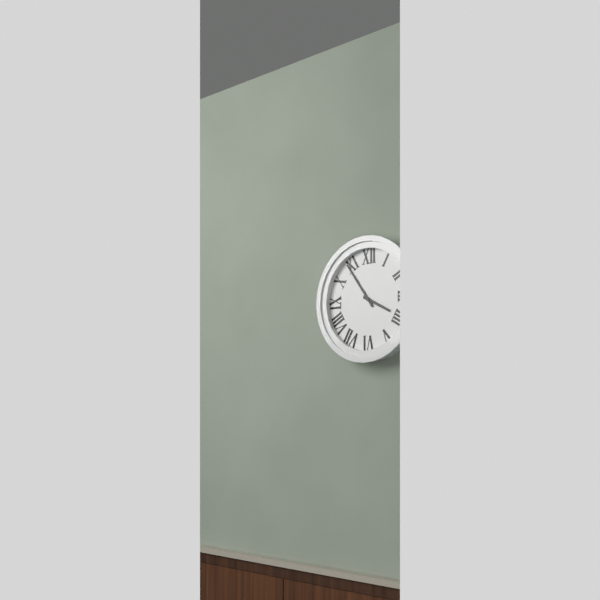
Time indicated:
3h54
